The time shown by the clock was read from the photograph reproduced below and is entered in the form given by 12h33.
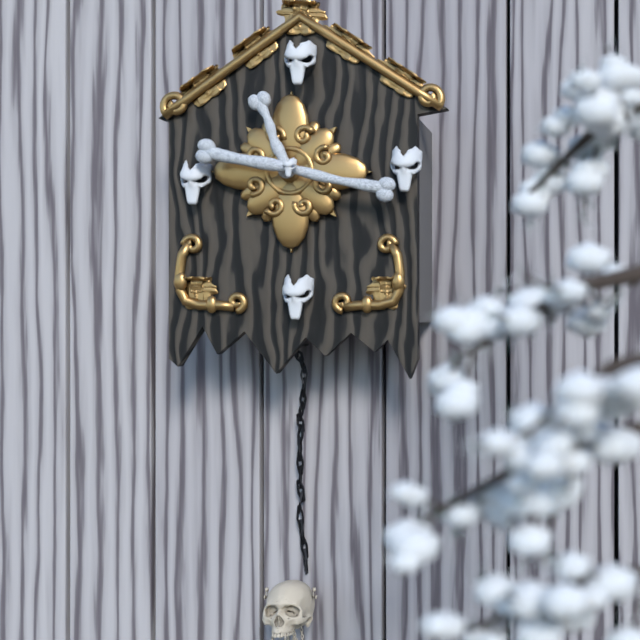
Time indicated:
11h17
